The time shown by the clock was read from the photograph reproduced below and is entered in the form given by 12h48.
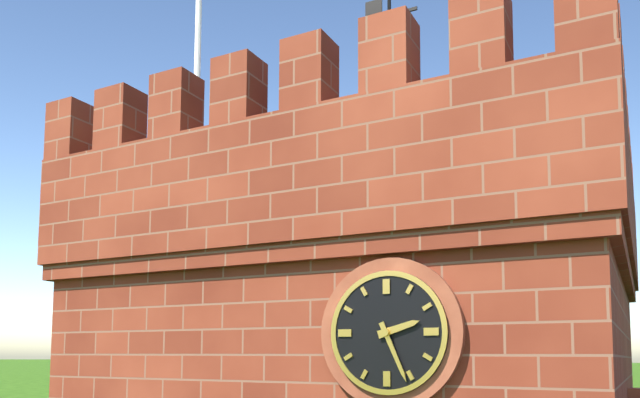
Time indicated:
2h26
